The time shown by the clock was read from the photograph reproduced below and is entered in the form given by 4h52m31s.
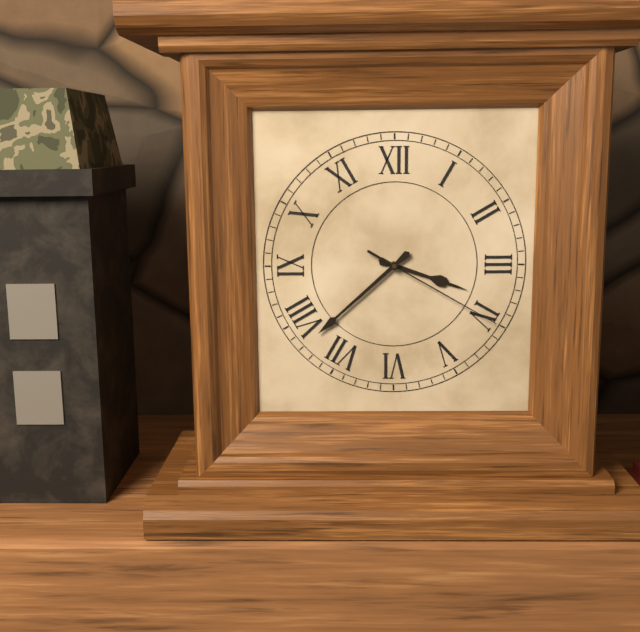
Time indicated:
3h38m20s
